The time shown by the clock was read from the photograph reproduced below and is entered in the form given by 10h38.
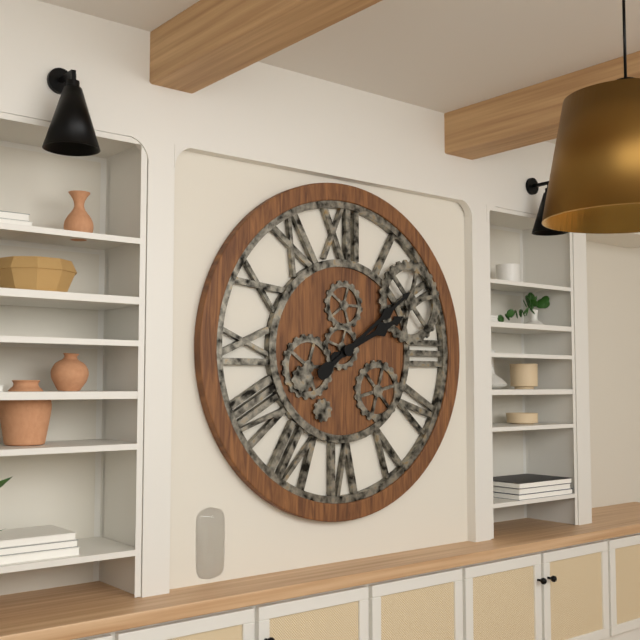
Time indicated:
2h09
